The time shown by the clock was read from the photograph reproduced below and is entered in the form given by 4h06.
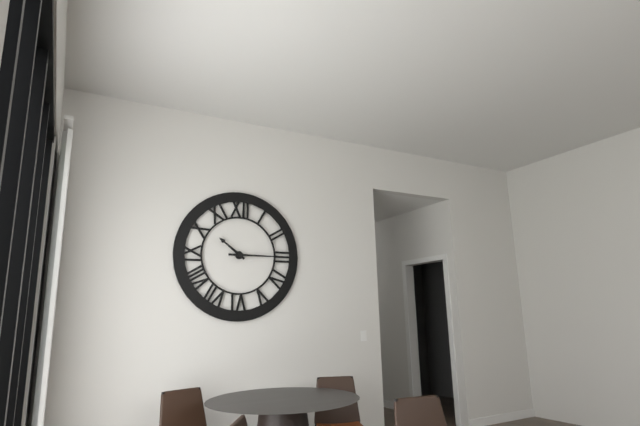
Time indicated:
10h15
